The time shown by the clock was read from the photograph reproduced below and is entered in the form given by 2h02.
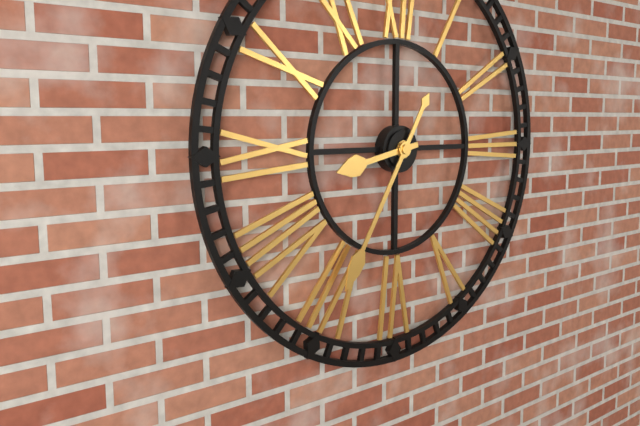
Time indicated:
8h35
